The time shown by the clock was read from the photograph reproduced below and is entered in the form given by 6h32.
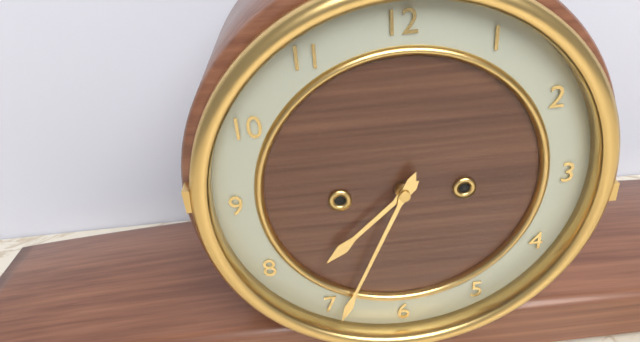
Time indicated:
7h34
